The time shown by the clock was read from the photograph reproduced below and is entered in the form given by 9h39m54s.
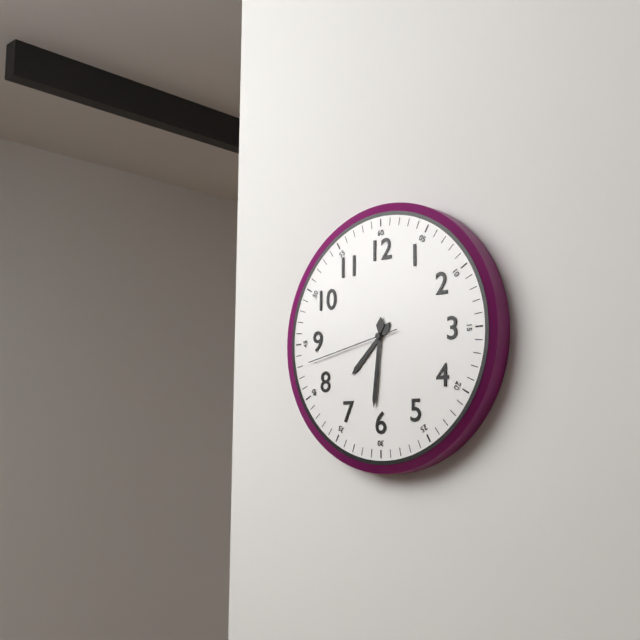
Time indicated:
7h31m43s
